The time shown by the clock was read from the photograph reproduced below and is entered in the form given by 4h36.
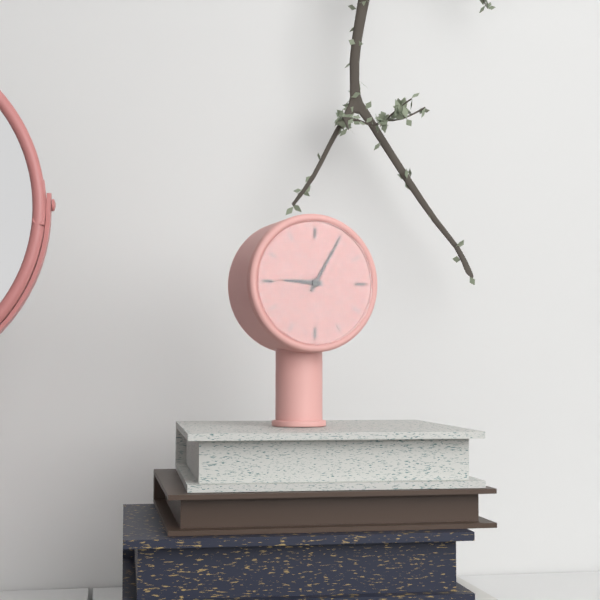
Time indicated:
9h05
